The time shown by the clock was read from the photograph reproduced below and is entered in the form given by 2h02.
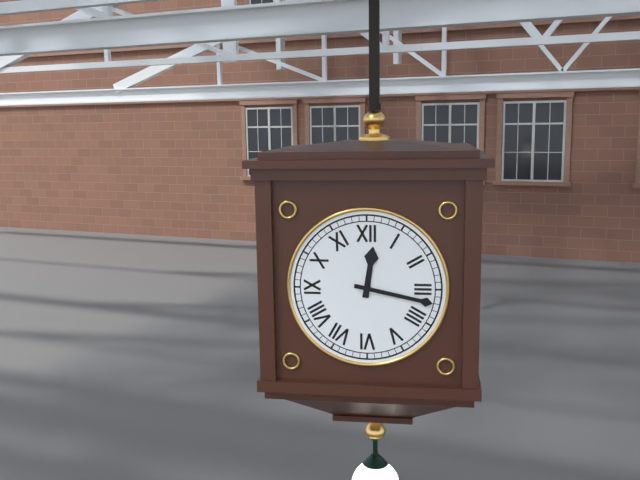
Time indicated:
12h17
